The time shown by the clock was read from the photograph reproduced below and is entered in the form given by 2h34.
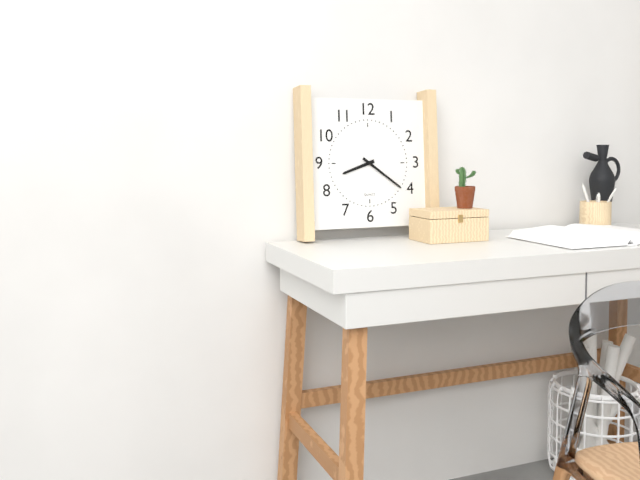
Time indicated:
8h21
